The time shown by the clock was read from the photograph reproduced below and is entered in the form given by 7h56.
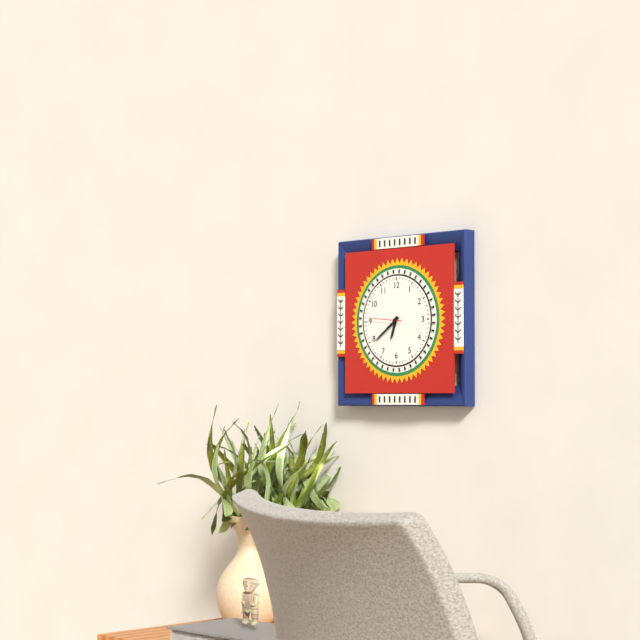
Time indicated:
6h39
